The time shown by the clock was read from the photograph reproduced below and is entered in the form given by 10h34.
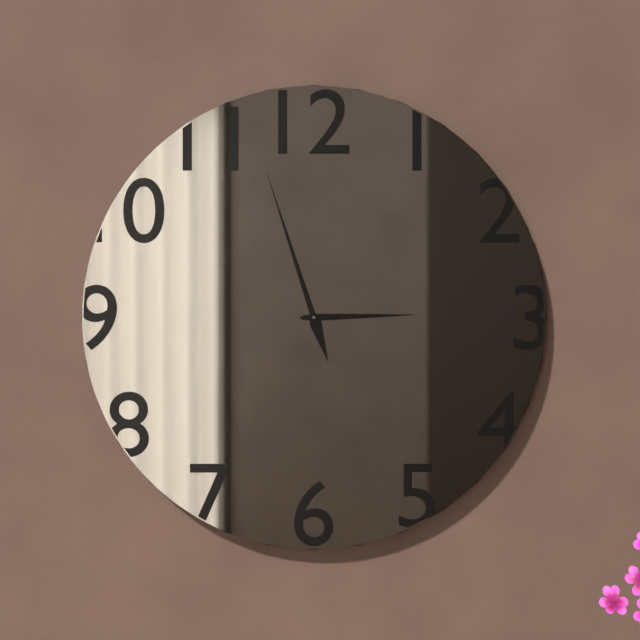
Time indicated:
2h57
